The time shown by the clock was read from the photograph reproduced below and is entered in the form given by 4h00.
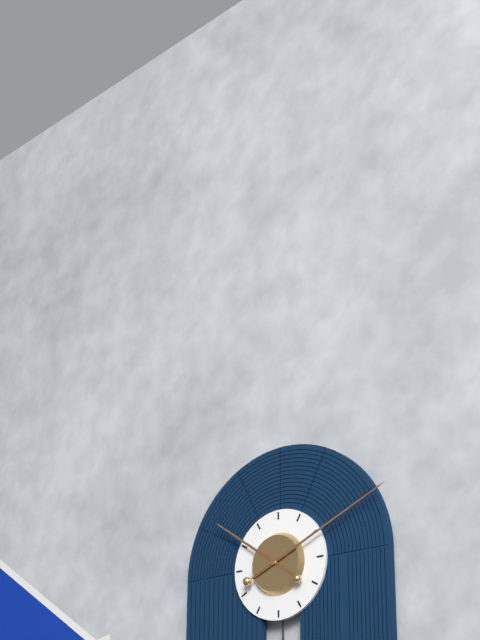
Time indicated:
10h11
